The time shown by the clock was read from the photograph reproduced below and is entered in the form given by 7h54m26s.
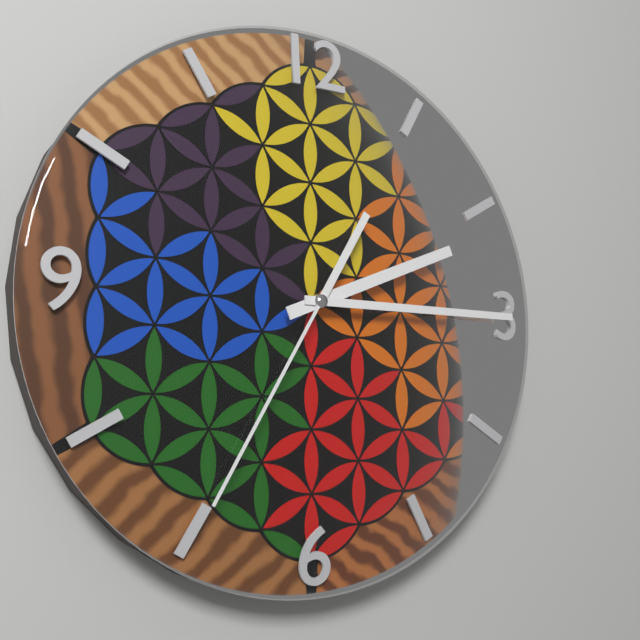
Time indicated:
2h15m35s
